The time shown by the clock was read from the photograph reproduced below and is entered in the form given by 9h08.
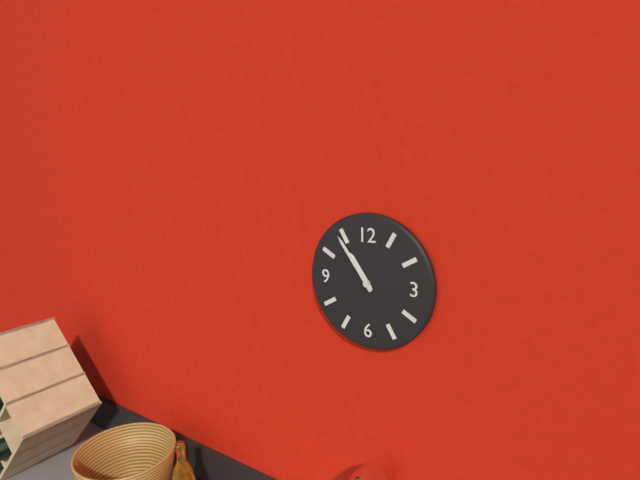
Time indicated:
10h54
